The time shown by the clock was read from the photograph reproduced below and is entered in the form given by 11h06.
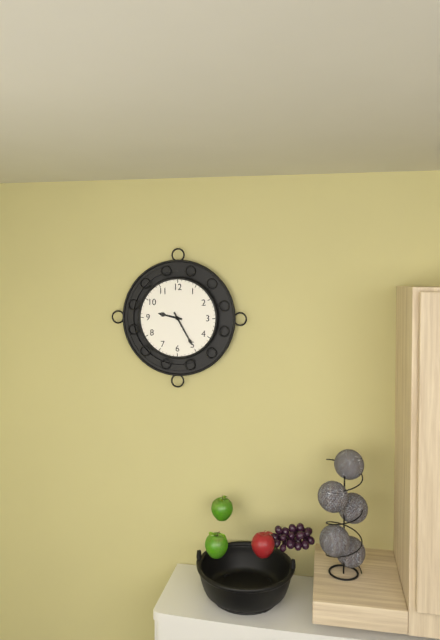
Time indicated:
9h25
